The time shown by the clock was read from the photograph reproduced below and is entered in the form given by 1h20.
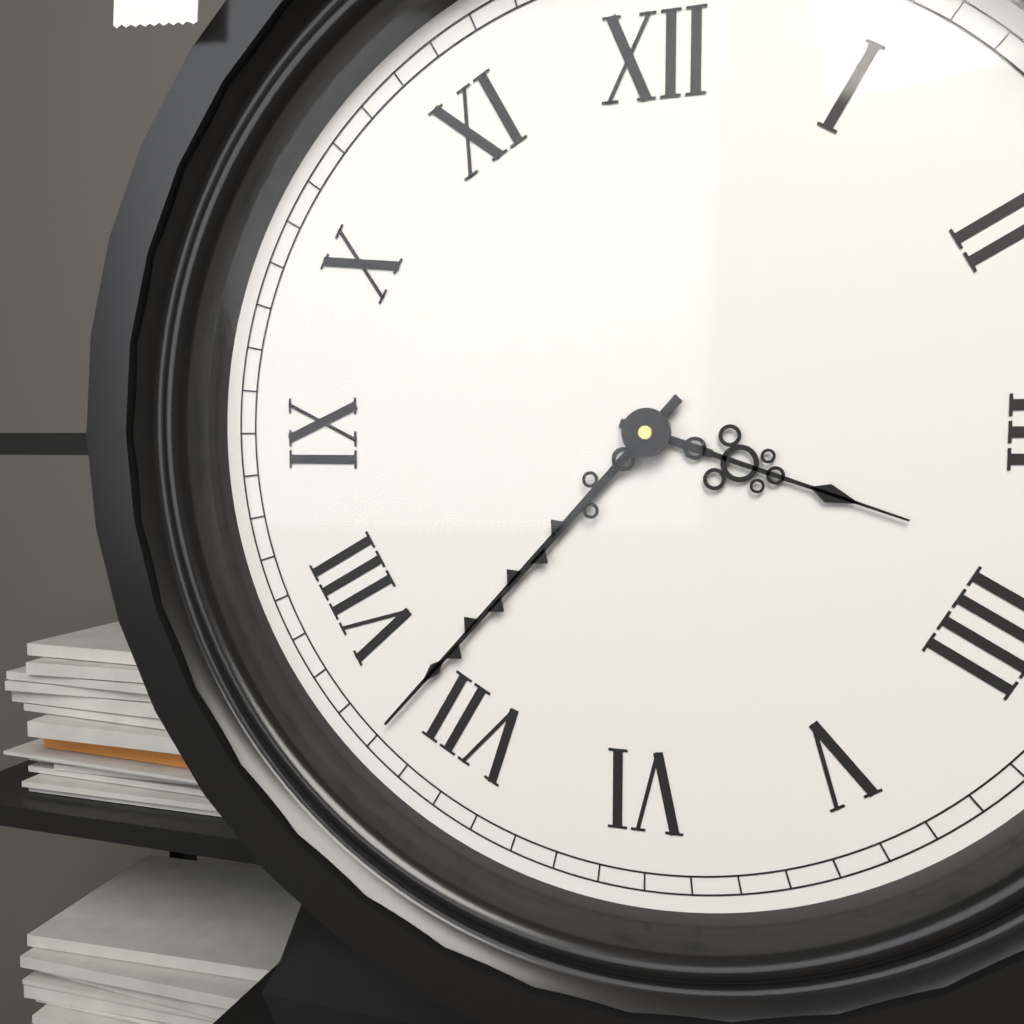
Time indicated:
3h37
